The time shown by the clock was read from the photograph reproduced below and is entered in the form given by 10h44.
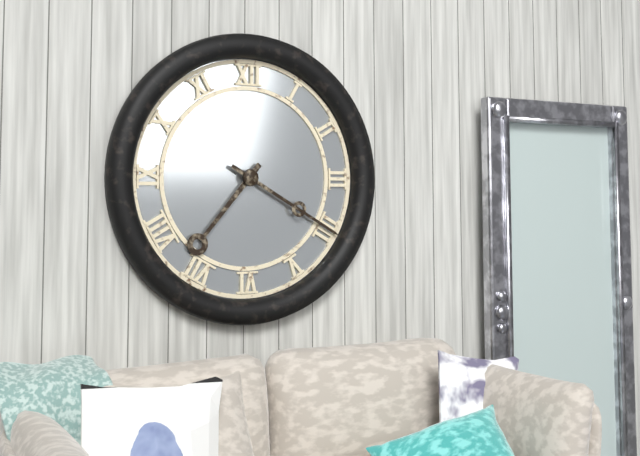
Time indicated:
7h20
